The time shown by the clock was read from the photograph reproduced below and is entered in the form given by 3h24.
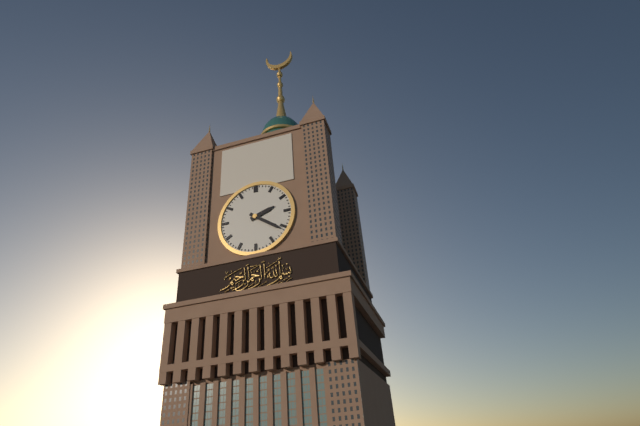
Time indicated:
2h21
